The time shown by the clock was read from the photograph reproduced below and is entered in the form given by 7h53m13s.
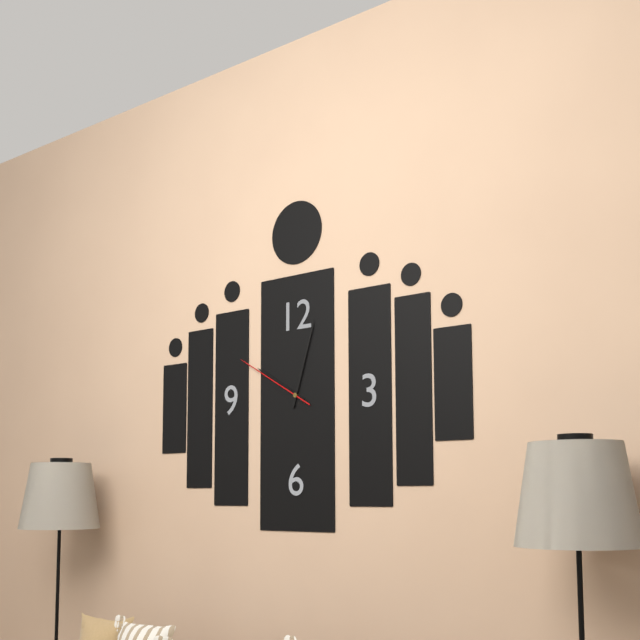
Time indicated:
10h03m50s
